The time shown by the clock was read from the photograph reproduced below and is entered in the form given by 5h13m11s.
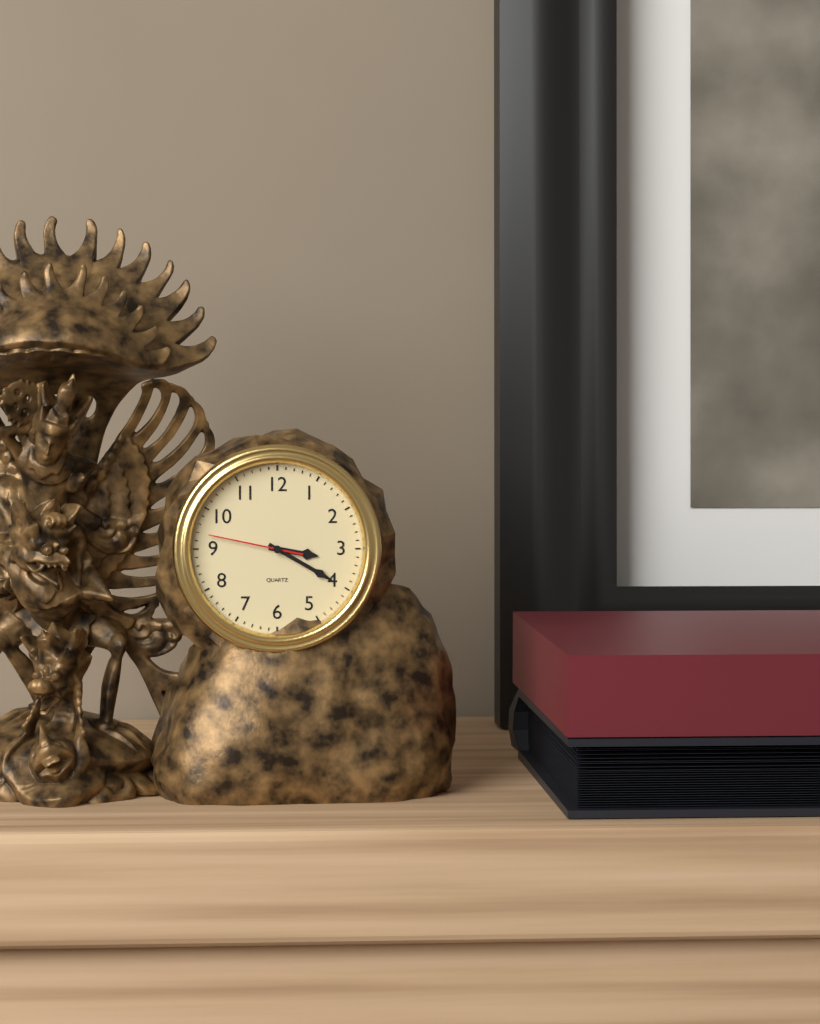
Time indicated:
3h20m47s
